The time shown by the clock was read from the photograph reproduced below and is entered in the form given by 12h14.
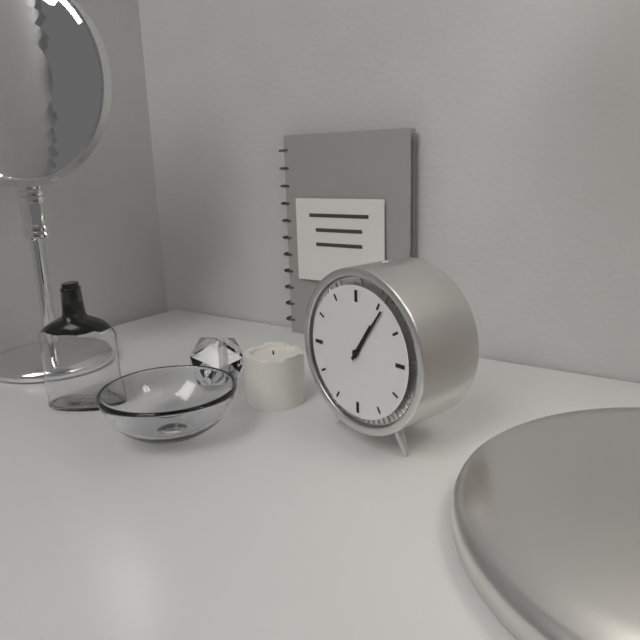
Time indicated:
1h06
